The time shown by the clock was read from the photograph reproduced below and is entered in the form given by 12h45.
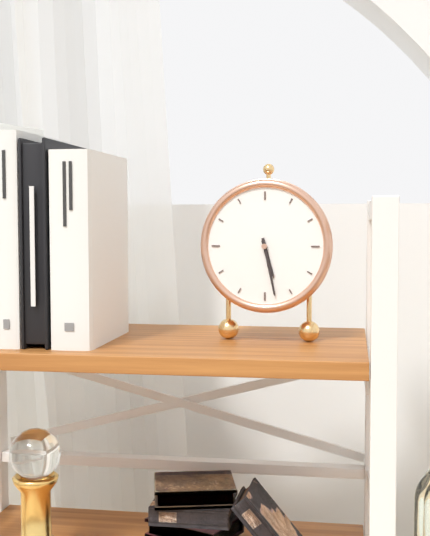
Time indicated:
5h28
